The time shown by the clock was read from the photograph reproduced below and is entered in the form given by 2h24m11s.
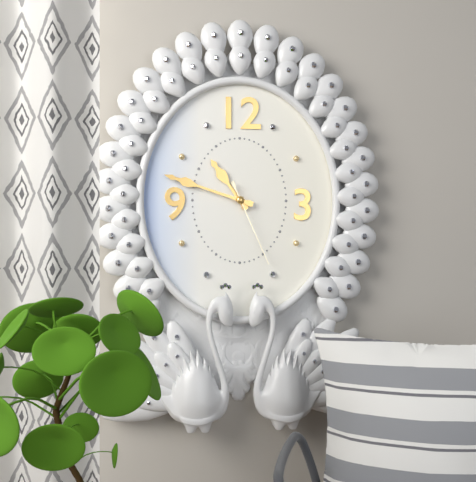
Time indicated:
10h48m26s
